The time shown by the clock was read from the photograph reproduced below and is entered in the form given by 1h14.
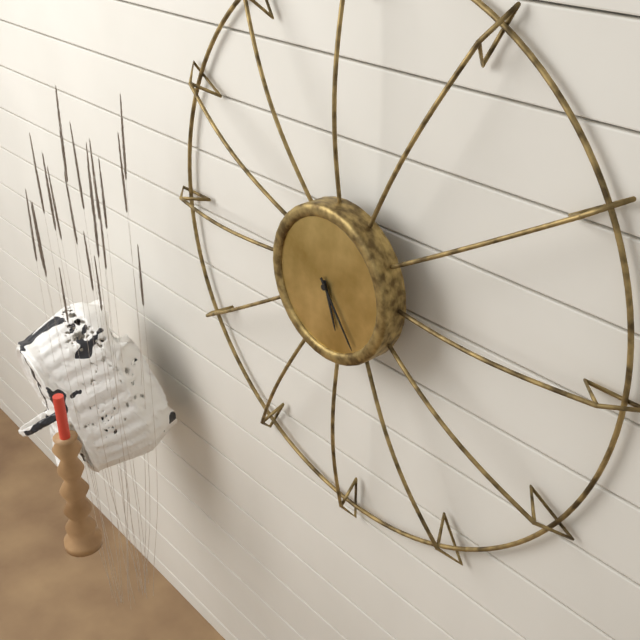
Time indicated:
5h24
